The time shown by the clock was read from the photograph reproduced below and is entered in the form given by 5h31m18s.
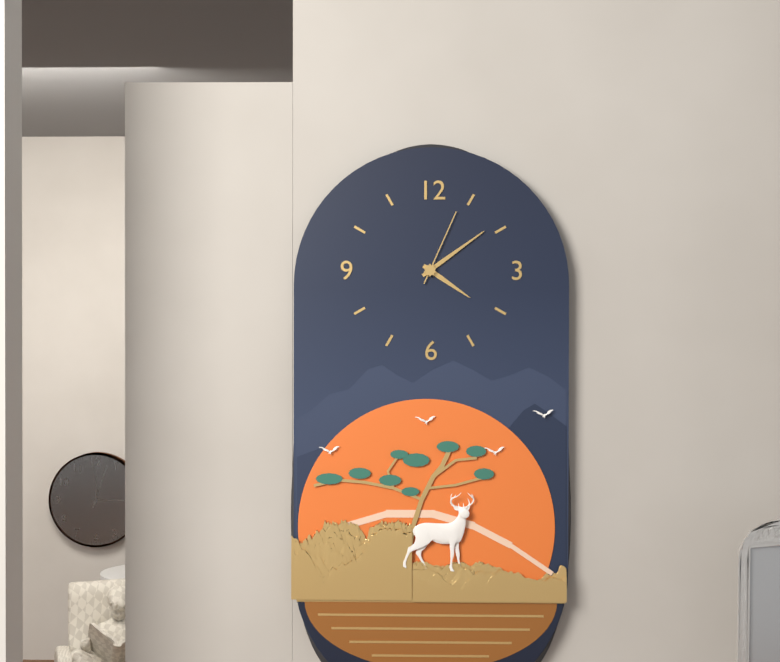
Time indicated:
4h09m04s
